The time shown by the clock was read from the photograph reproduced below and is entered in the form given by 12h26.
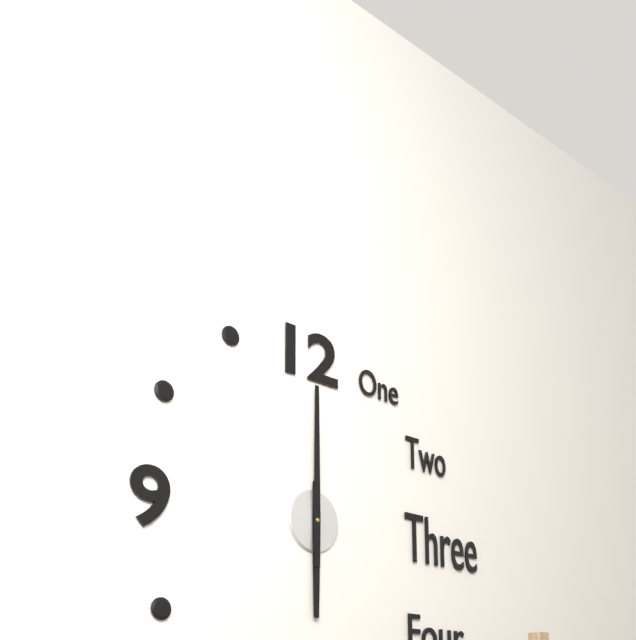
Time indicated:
6h00
